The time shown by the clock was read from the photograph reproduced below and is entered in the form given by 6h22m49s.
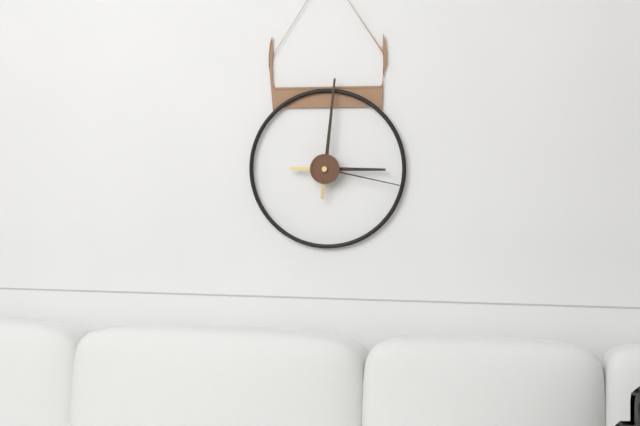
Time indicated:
3h01m17s
